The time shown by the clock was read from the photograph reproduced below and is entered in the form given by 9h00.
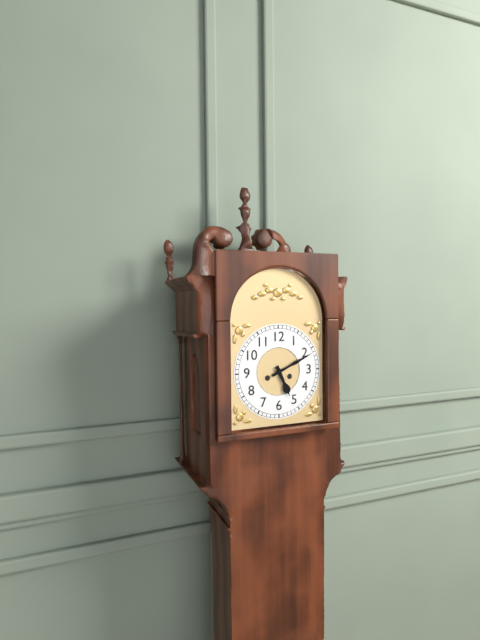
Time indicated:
5h11
